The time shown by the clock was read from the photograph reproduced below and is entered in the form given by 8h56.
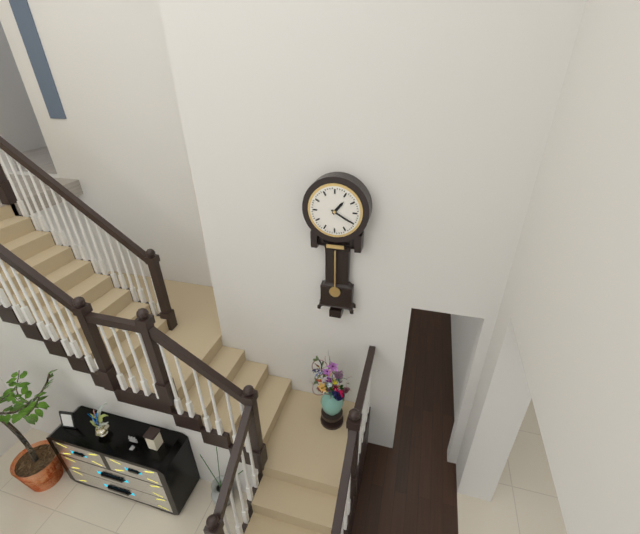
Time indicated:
1h20
